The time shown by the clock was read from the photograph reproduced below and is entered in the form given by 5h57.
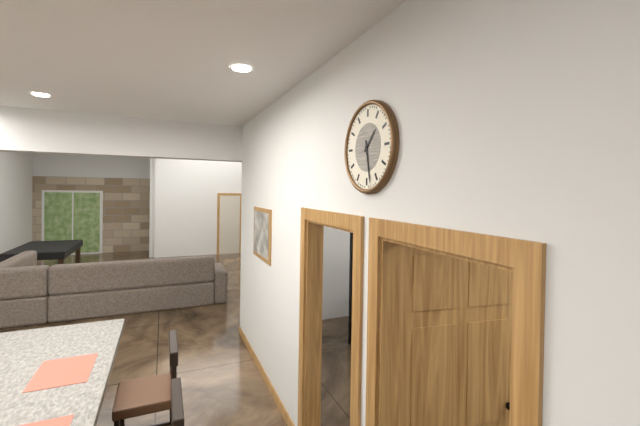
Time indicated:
1h28
